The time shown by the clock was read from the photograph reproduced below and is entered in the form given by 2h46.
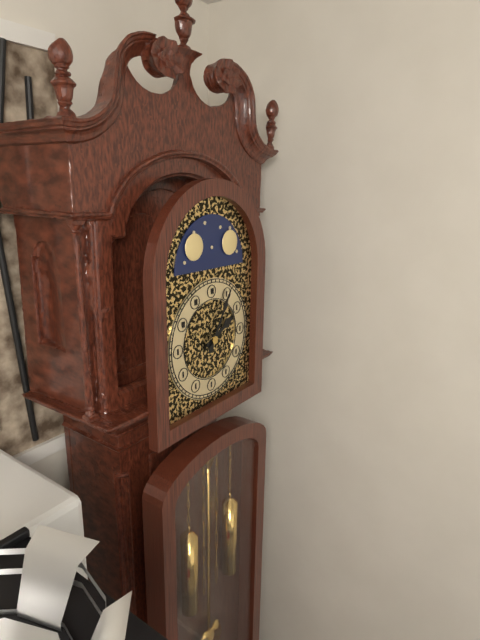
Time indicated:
2h05
